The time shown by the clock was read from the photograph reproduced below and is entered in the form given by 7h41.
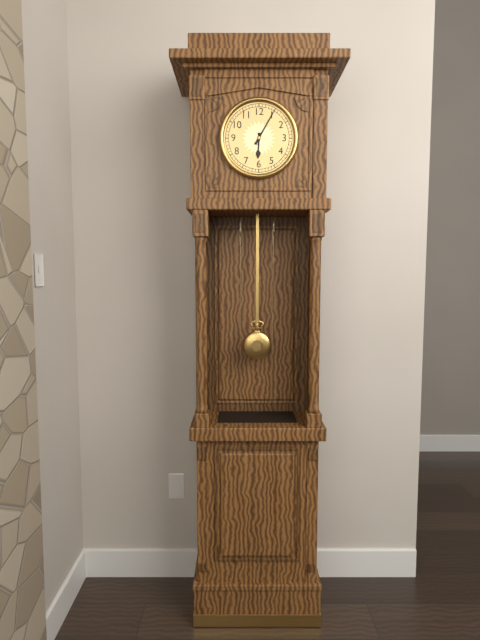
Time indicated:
6h05
